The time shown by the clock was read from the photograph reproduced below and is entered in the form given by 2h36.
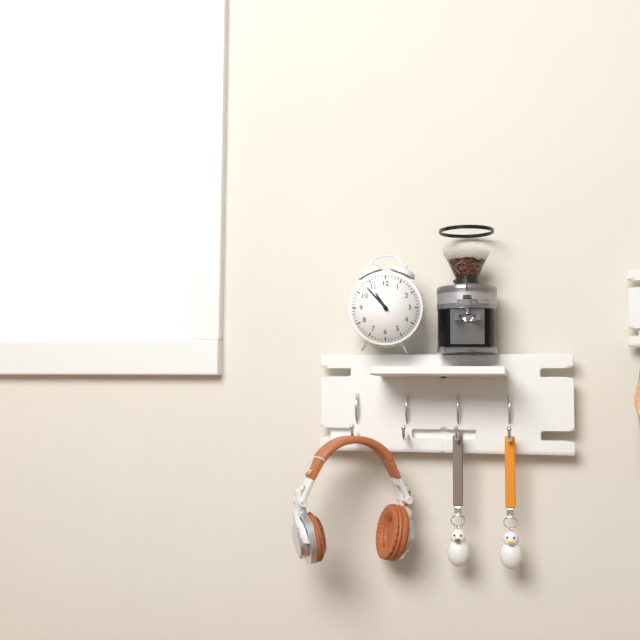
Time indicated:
10h53
